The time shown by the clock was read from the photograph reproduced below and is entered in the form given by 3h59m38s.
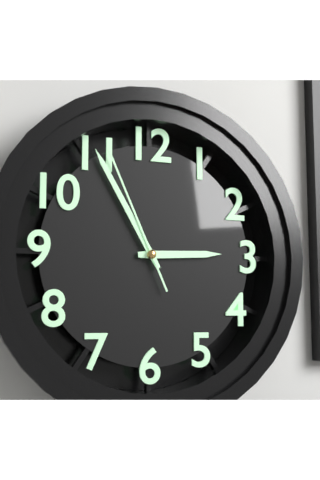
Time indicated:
2h55m56s
